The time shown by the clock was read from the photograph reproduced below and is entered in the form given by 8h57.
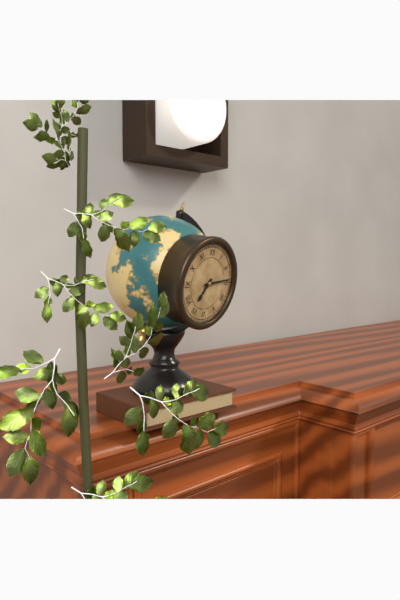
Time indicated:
7h14
